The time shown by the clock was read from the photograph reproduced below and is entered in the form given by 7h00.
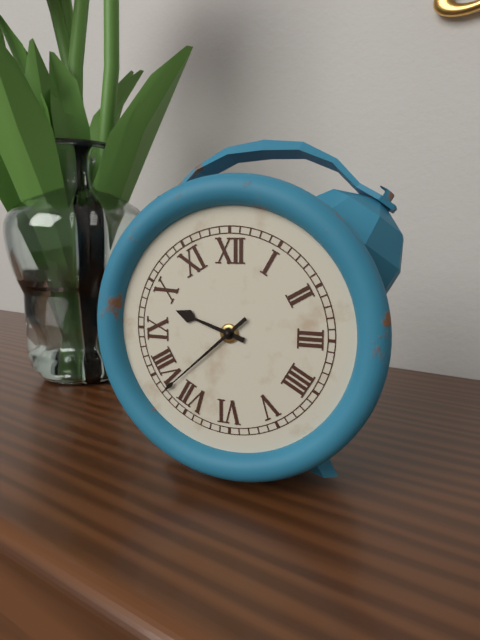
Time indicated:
9h38
